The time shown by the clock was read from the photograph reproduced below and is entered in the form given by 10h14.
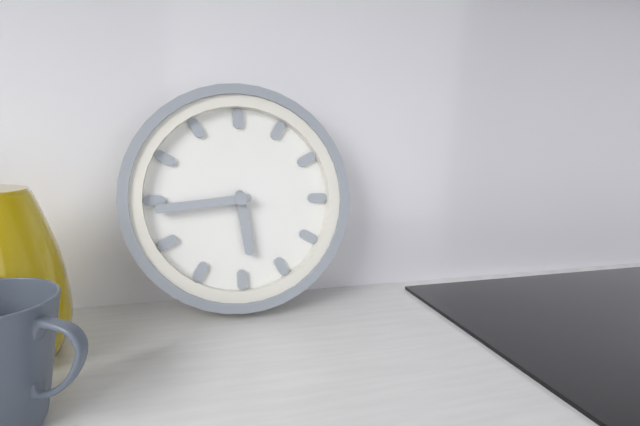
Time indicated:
5h44
